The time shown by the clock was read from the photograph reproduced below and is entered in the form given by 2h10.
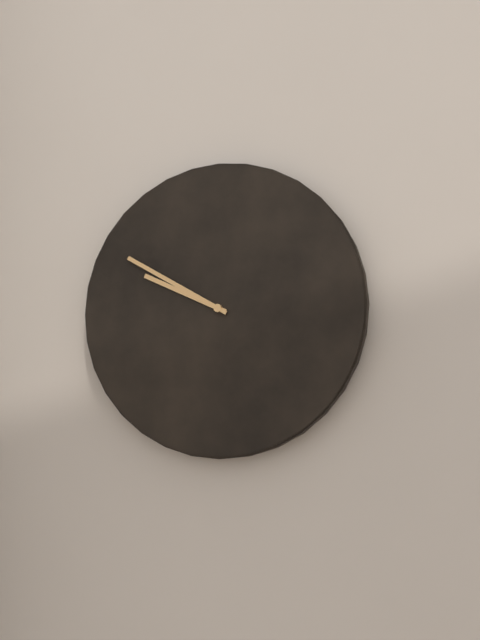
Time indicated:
9h50
